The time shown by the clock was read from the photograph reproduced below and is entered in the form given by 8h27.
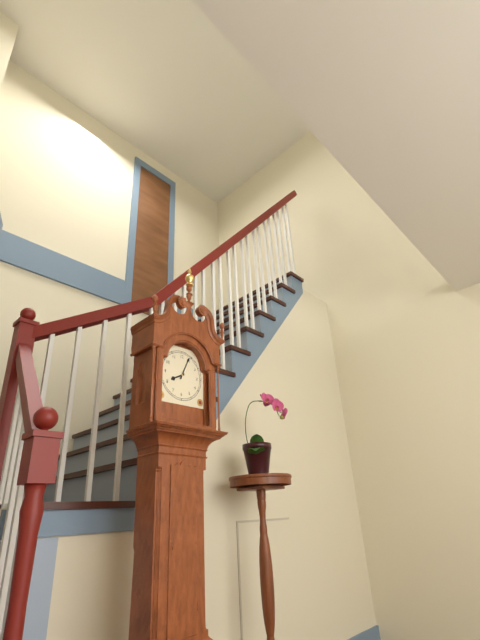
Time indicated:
8h04
